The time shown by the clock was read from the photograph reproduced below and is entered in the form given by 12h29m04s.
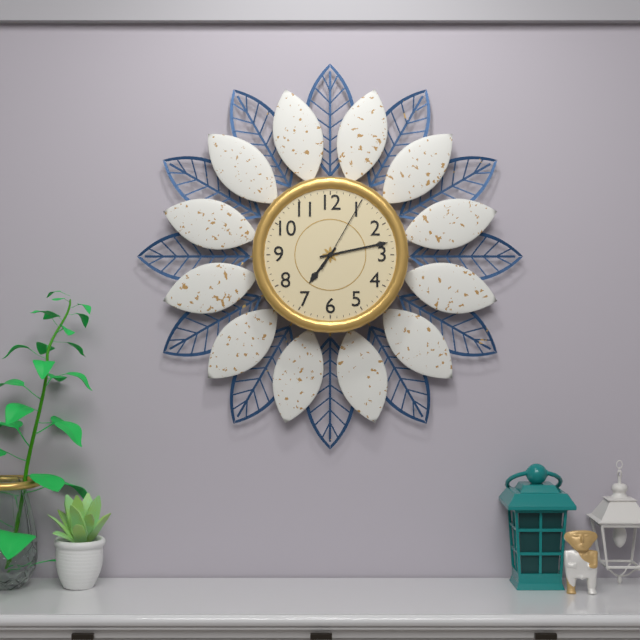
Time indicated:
7h13m05s
